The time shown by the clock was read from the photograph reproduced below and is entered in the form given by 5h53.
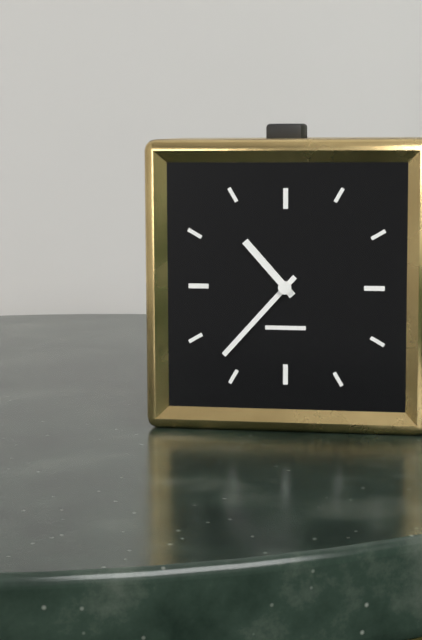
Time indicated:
10h37
